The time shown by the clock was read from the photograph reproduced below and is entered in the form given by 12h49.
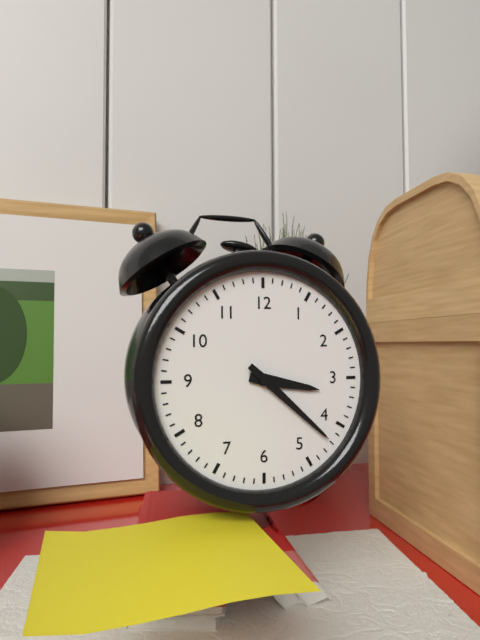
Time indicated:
3h22
